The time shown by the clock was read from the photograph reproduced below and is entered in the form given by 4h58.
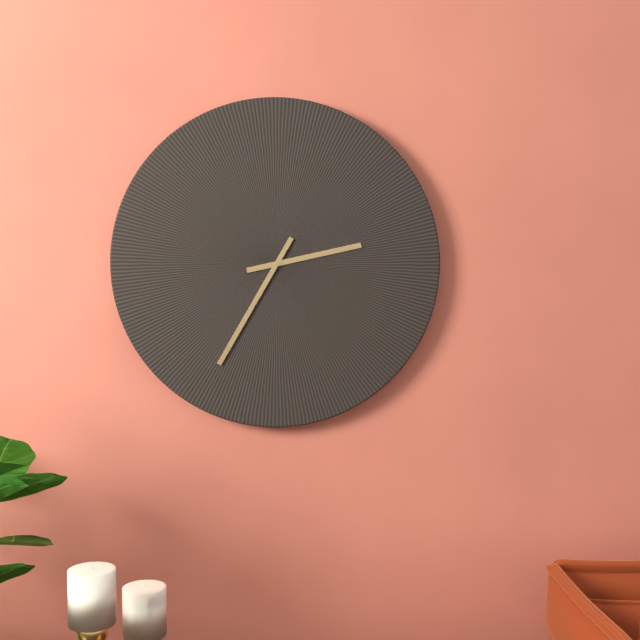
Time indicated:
2h35
